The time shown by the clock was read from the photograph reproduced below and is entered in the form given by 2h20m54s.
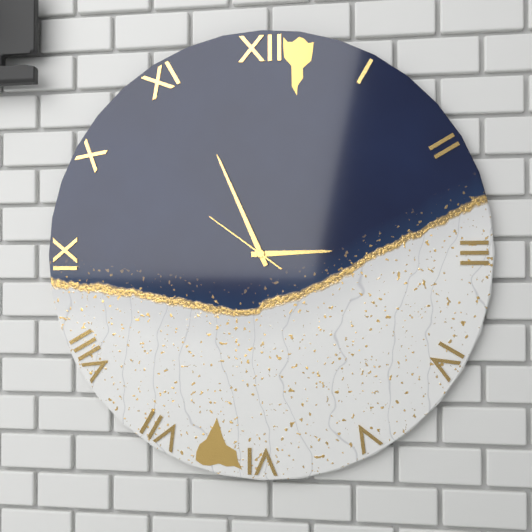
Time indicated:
2h56m51s
